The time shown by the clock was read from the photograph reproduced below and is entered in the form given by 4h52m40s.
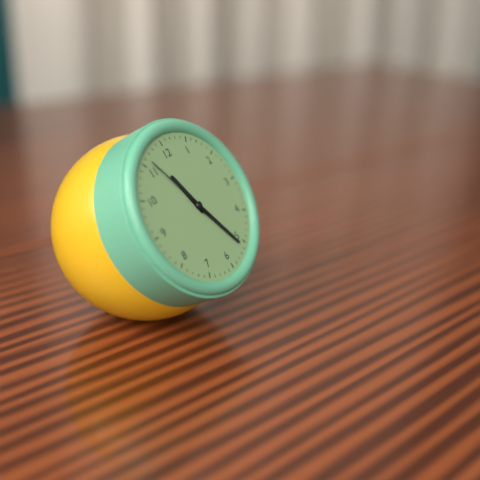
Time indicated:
11h26m56s
